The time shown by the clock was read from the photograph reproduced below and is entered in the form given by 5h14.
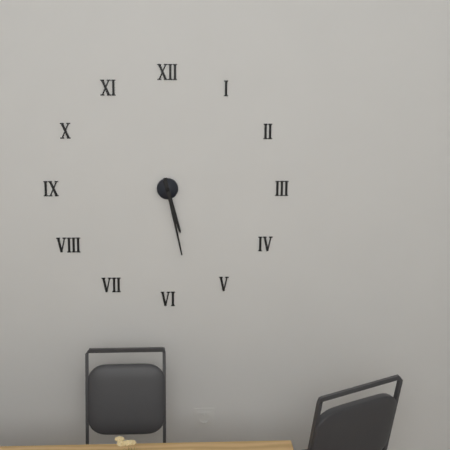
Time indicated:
5h28
